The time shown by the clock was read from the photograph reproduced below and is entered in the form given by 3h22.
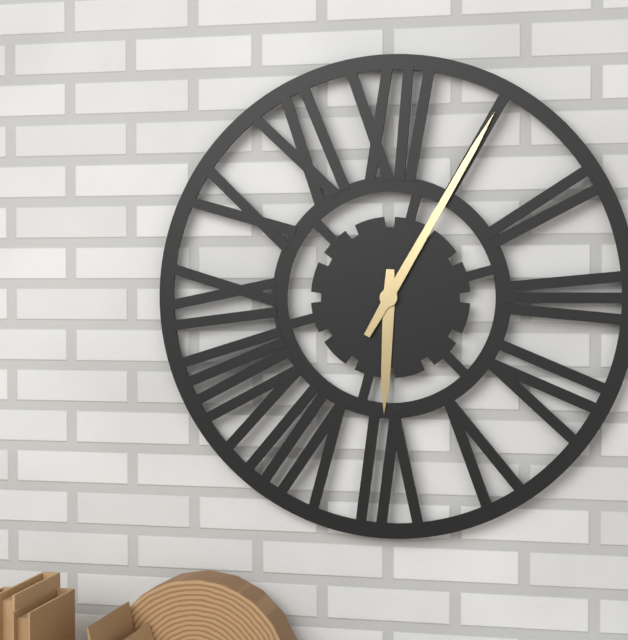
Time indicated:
6h05
